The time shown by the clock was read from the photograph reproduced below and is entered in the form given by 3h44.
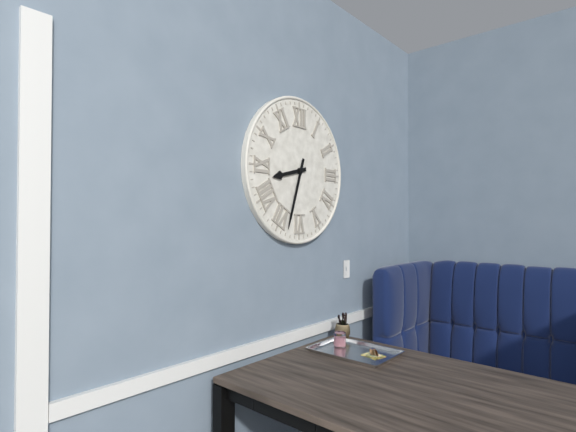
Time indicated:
8h33
